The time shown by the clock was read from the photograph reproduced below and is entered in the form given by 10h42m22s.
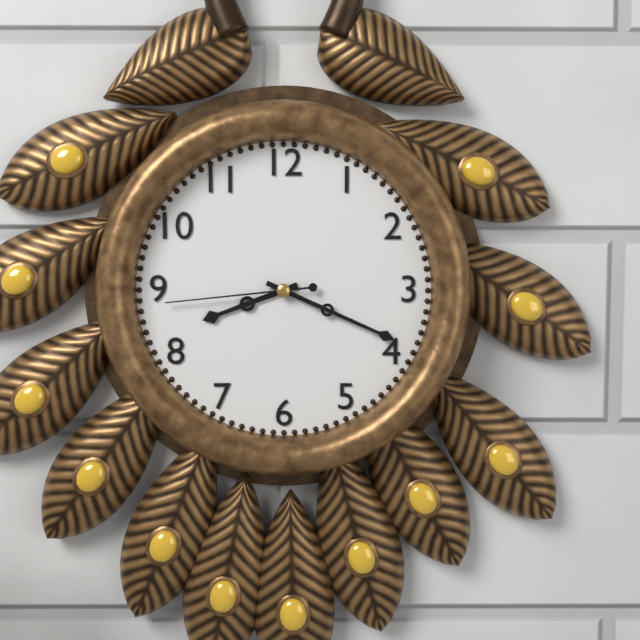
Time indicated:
8h19m44s
